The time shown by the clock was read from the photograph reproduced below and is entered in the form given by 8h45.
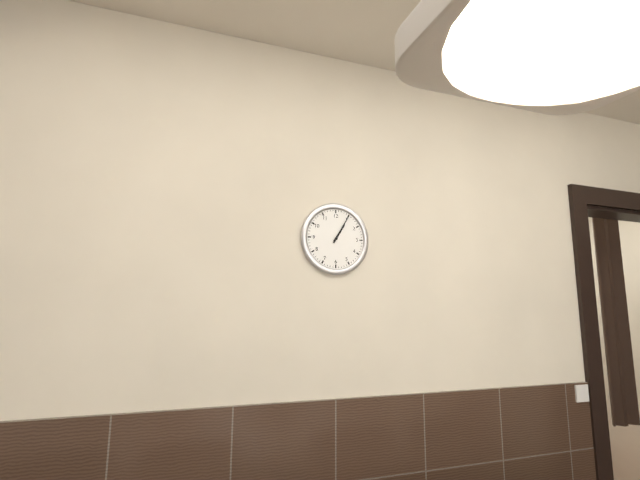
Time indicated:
1h05
